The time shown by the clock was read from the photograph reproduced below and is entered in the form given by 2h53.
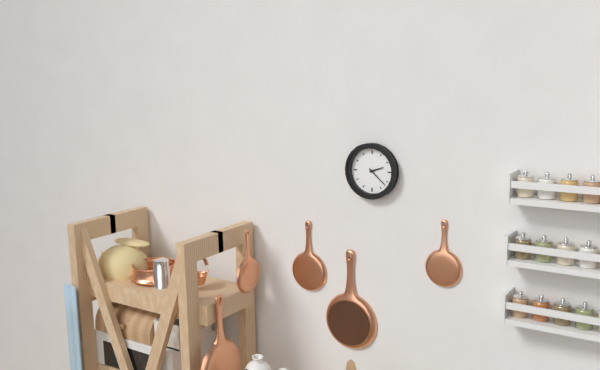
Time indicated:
2h22
